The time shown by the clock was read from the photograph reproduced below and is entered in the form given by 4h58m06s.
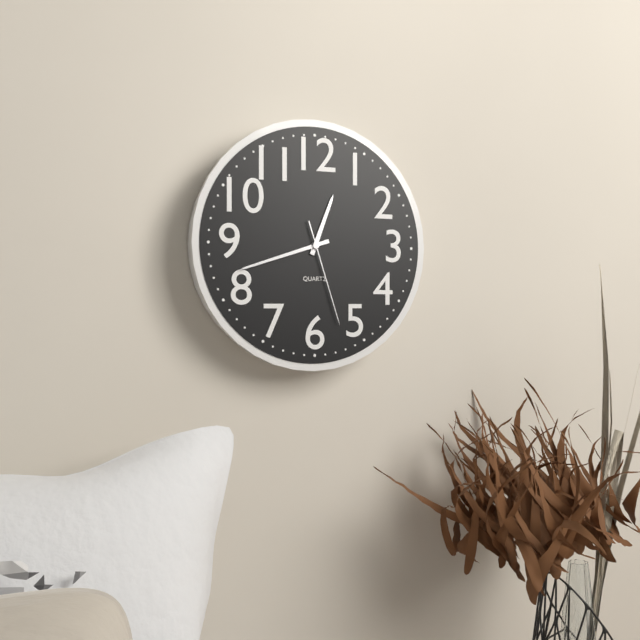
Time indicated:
12h42m27s
